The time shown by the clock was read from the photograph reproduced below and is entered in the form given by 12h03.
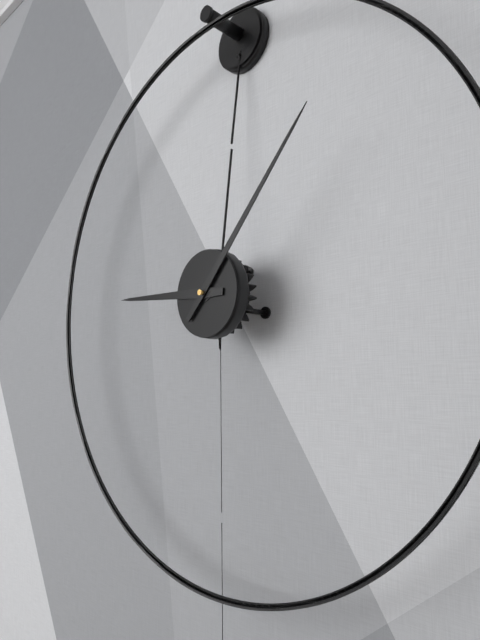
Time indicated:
9h07
